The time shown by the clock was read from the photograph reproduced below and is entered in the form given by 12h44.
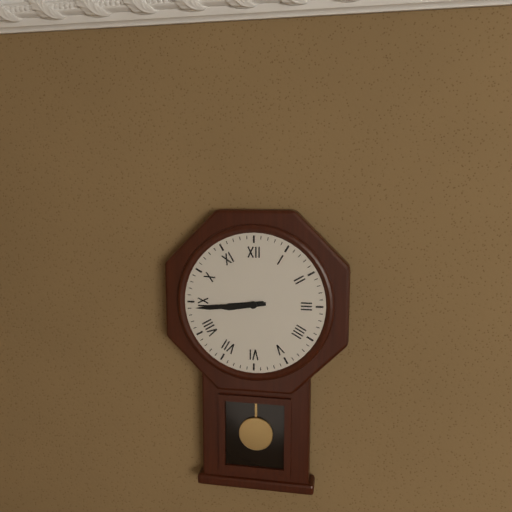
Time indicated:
8h44
